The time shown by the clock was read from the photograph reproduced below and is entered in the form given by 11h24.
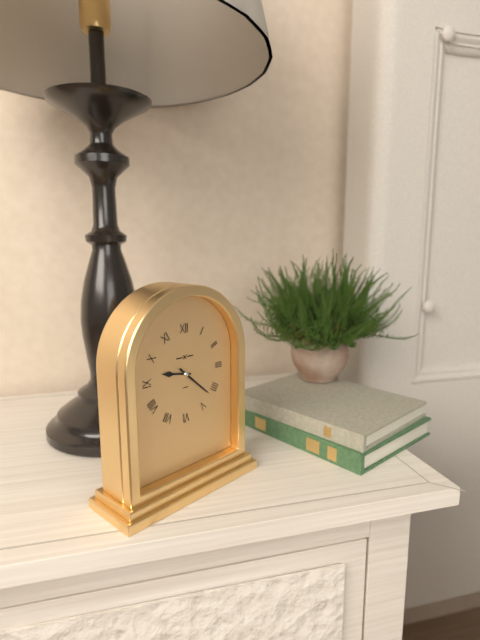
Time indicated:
9h22
